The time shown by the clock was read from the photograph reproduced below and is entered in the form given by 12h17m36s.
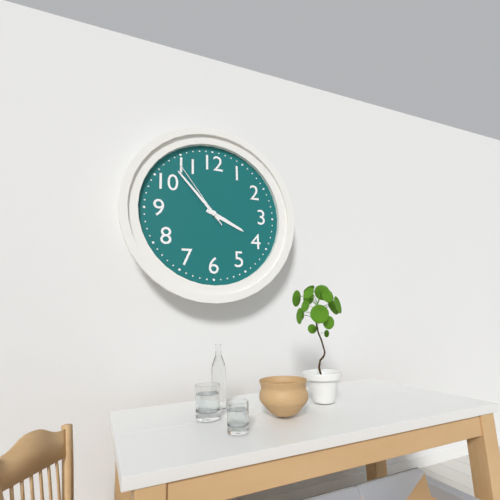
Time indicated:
3h53m54s
